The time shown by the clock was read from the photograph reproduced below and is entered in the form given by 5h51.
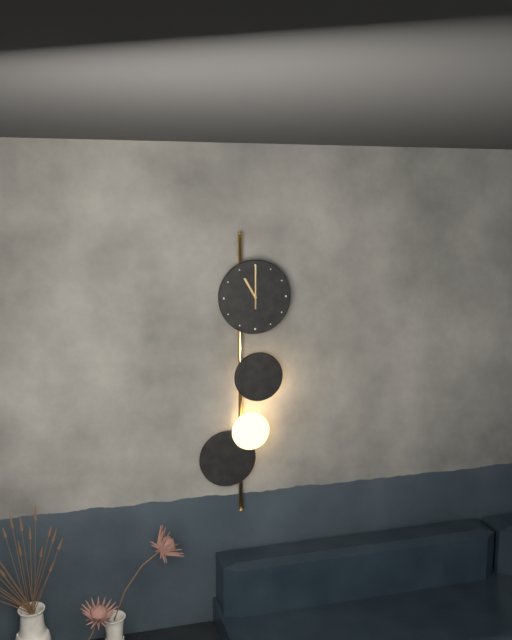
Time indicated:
11h00
